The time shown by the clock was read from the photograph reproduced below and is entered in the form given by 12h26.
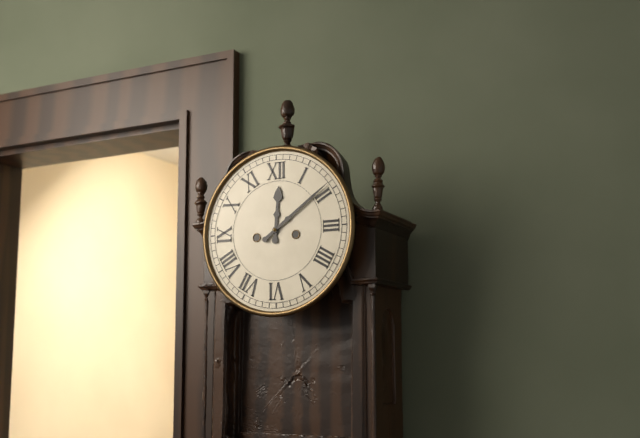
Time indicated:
12h09
